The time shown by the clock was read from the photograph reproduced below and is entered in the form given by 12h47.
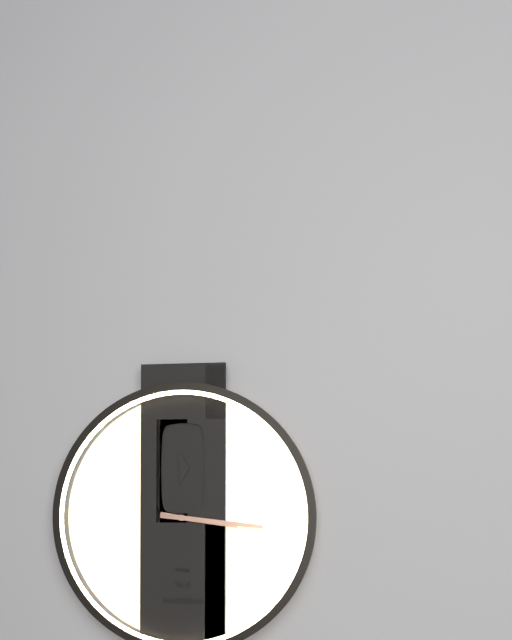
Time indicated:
3h16
